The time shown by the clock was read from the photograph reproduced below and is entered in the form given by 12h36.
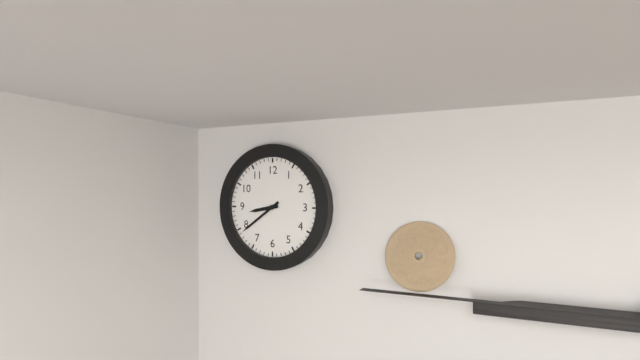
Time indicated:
8h39
